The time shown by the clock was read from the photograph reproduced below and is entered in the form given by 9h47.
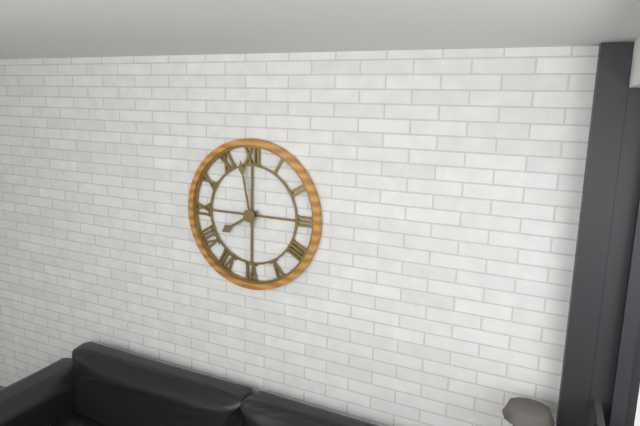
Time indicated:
7h58
